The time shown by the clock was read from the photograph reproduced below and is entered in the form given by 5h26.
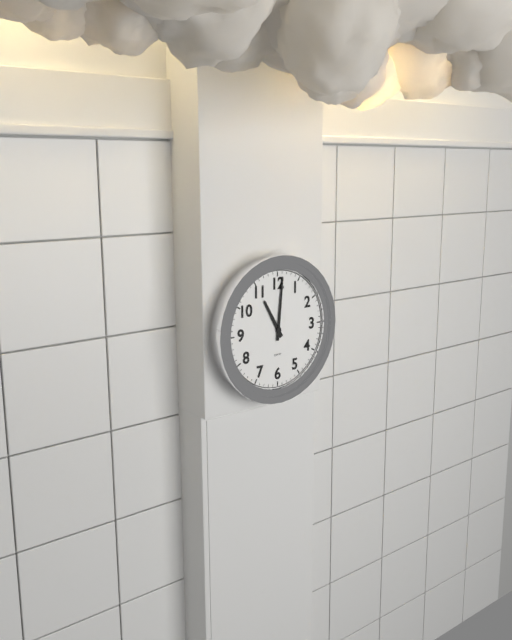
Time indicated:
11h01
